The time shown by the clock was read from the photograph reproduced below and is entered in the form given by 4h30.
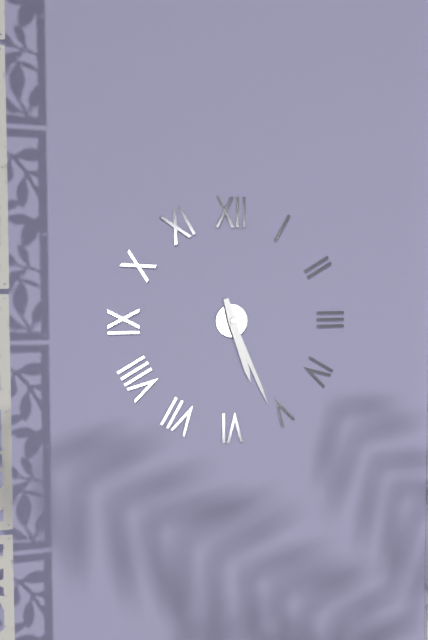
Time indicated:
5h26
